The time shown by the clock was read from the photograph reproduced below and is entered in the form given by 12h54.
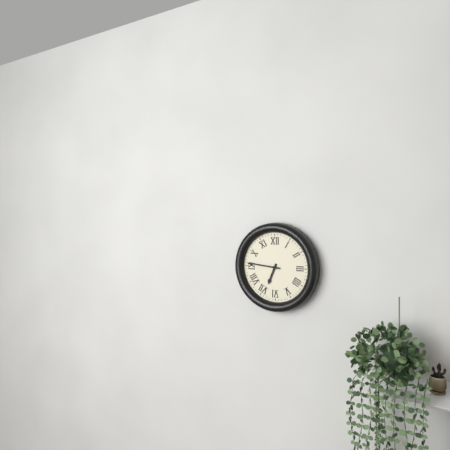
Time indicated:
6h46
